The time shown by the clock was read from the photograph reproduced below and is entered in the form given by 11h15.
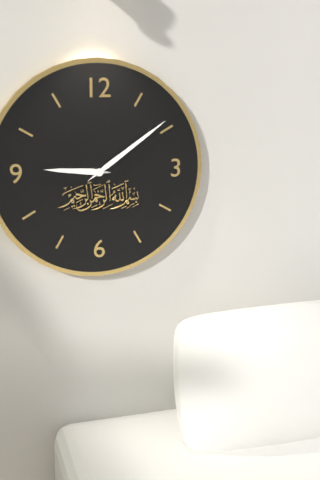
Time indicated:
9h09
